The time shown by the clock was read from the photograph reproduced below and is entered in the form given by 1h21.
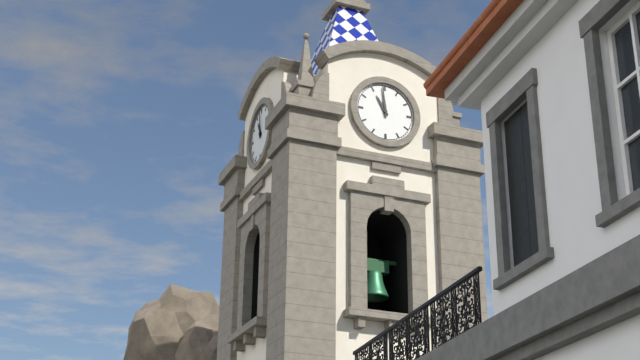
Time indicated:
10h59
